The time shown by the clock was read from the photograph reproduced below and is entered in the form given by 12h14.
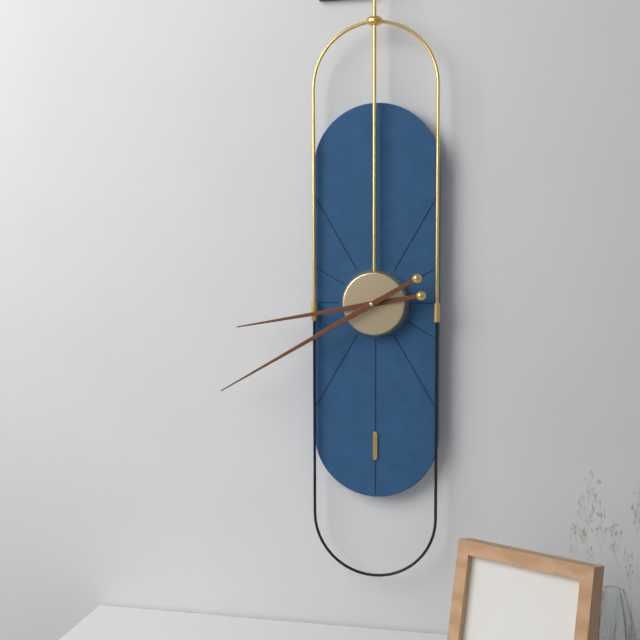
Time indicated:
8h40
